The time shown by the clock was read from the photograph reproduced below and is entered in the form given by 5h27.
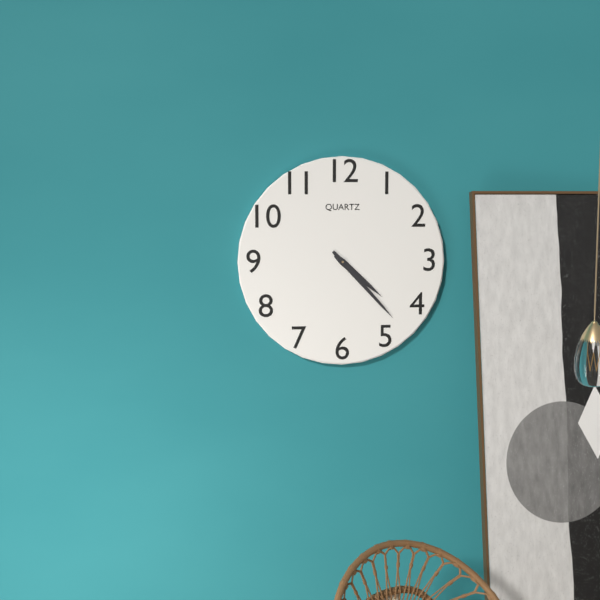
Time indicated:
4h23
